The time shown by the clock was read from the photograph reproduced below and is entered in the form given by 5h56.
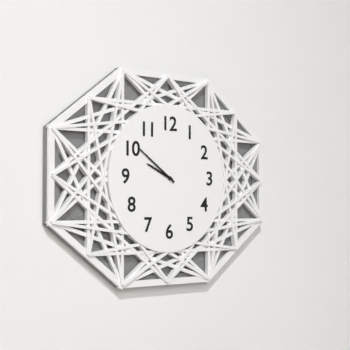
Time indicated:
9h51
